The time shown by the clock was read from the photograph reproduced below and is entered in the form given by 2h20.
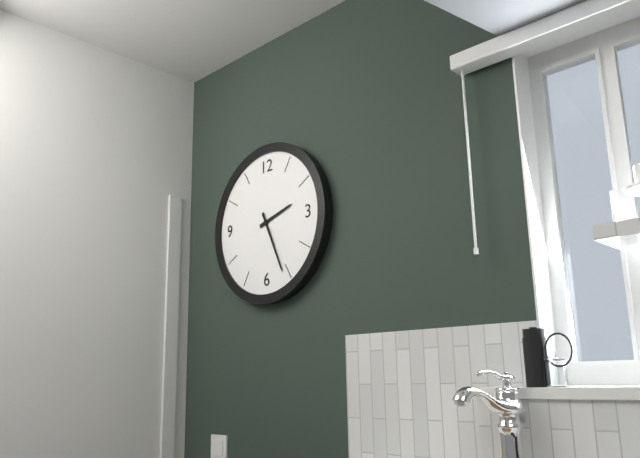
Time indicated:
2h26
